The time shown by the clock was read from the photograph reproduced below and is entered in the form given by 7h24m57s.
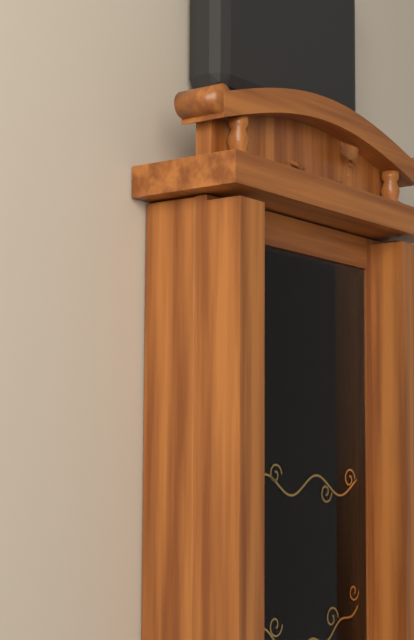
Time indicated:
9h34m53s
